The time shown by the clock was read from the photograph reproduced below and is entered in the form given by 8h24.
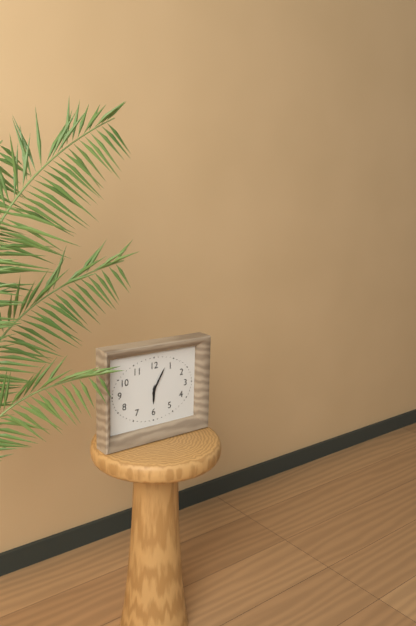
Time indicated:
6h05
